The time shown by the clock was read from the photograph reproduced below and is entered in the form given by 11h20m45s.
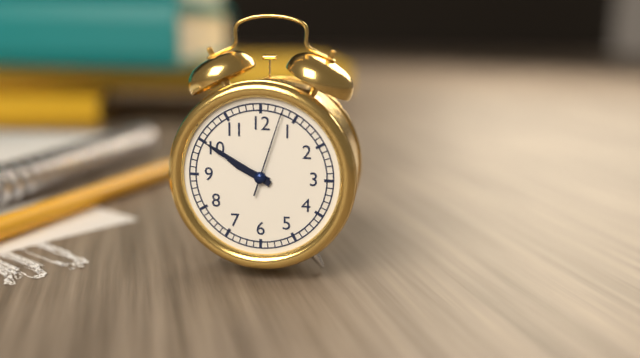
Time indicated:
9h50m03s
